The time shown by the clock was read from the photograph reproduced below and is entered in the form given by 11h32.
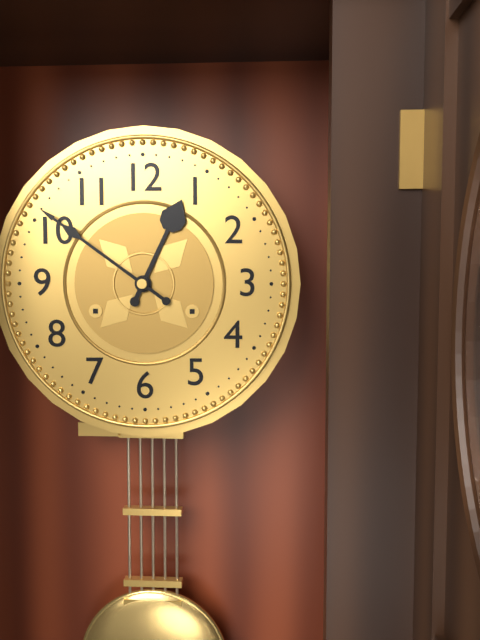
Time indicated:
12h51
